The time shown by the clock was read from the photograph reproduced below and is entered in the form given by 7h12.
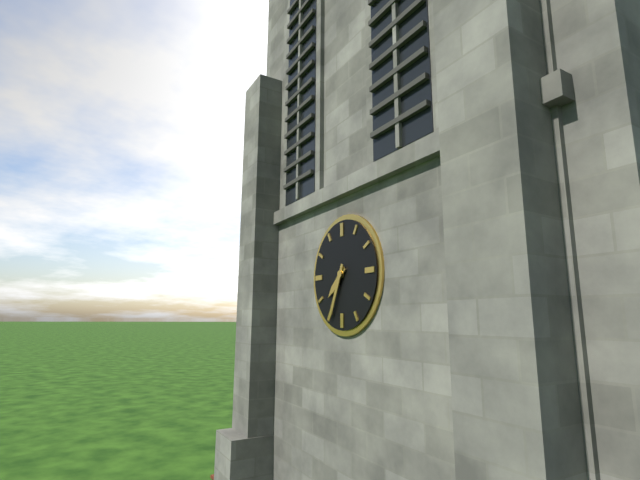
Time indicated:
7h34
